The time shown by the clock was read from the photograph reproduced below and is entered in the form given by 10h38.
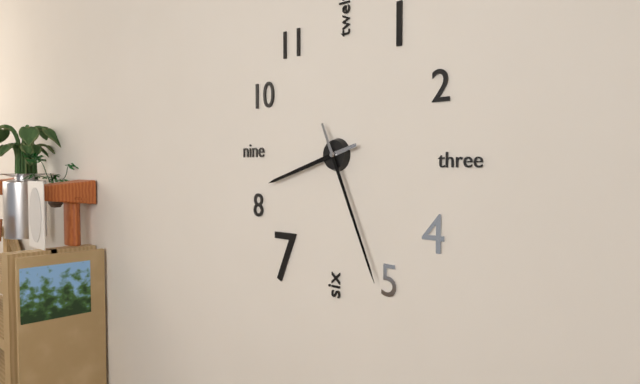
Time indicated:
8h26
